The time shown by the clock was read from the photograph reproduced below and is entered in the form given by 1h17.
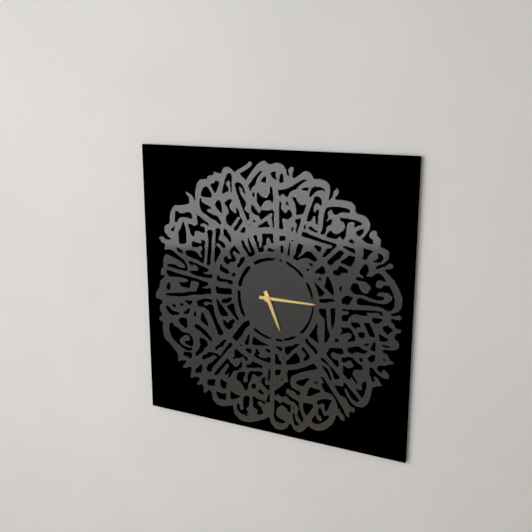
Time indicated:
5h15
